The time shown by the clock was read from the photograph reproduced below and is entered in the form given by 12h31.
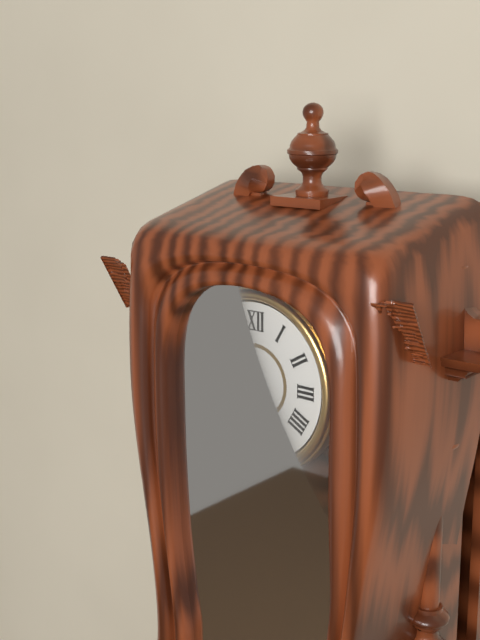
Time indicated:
10h54
